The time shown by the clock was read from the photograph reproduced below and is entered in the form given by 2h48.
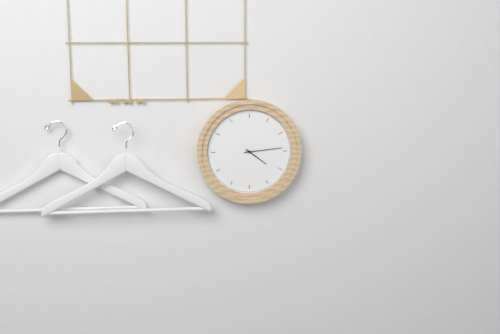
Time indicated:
4h14
